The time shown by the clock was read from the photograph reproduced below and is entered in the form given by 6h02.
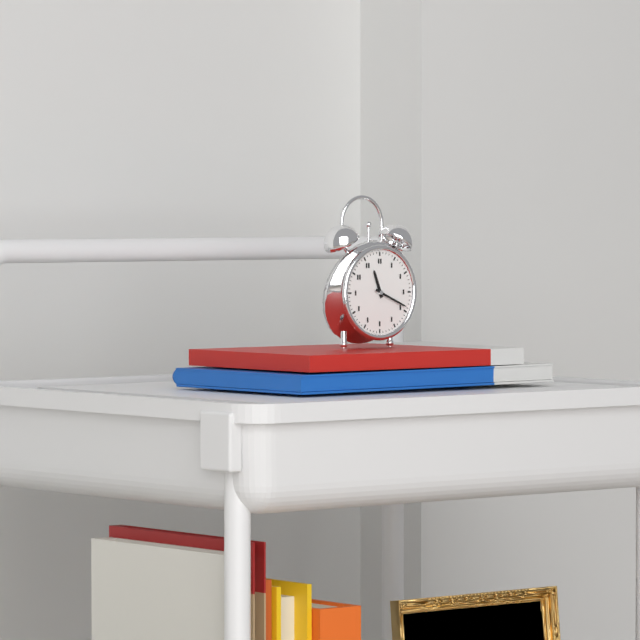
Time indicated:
11h19
